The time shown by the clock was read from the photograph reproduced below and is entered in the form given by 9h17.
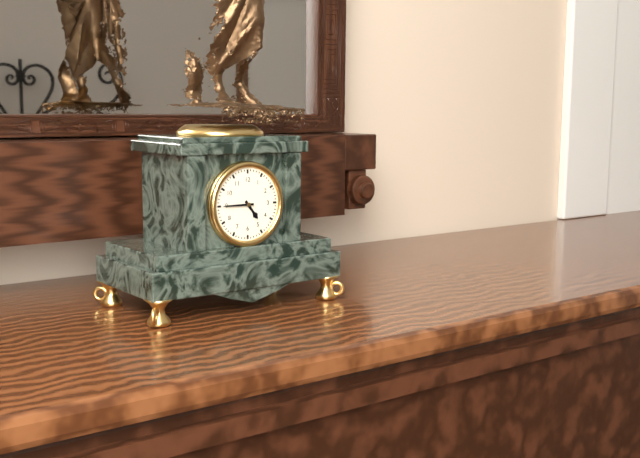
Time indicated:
4h45
